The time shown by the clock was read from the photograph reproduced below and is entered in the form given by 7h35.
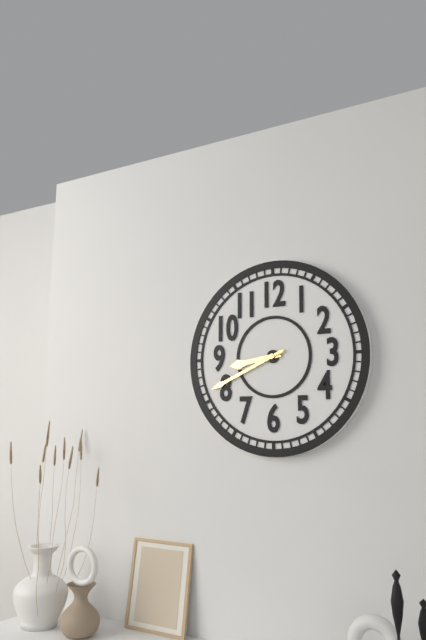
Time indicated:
8h41
